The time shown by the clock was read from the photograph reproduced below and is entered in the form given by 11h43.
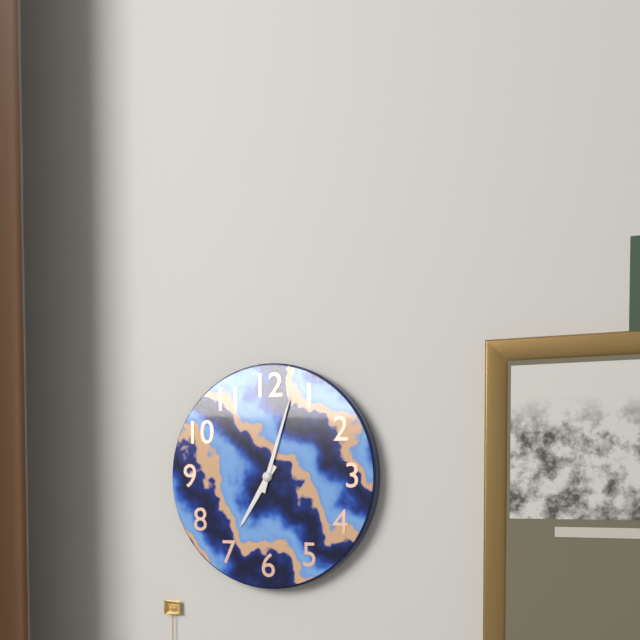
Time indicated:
7h03
